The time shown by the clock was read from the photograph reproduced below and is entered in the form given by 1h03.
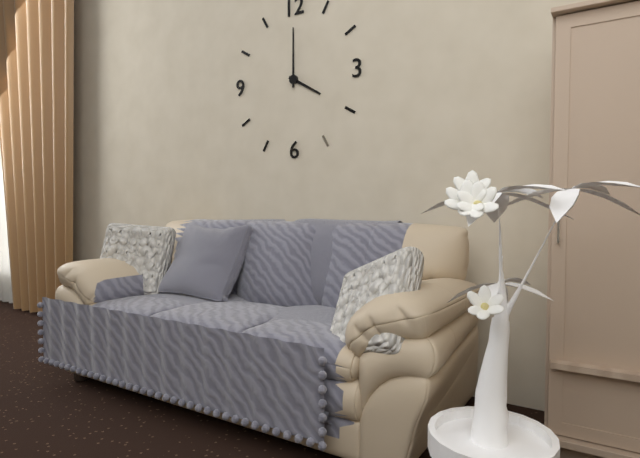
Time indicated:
4h00
